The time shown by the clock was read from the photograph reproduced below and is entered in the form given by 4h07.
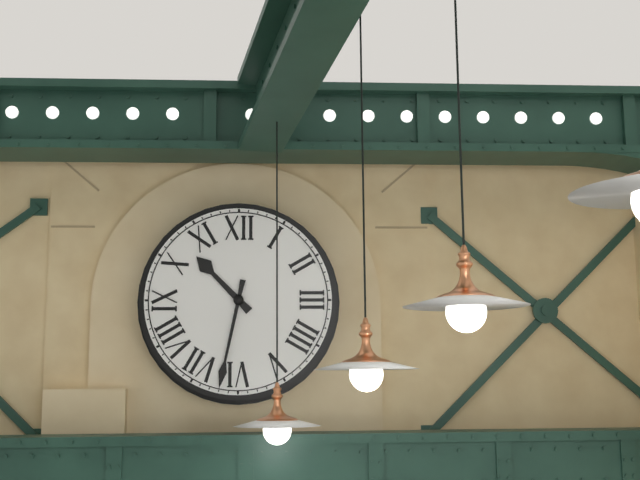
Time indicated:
10h32
